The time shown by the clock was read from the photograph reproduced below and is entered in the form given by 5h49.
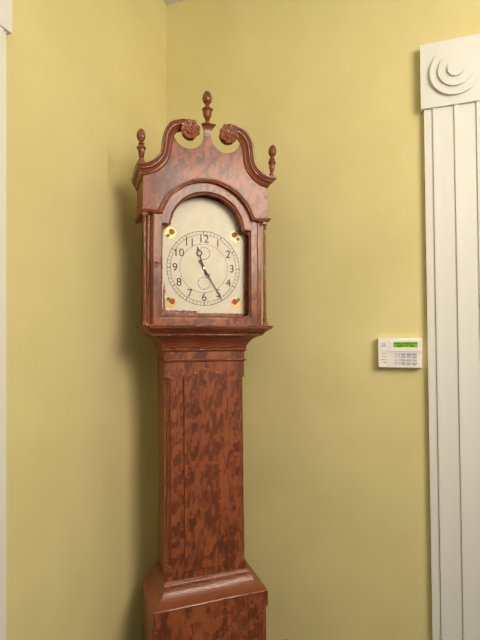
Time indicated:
11h25
